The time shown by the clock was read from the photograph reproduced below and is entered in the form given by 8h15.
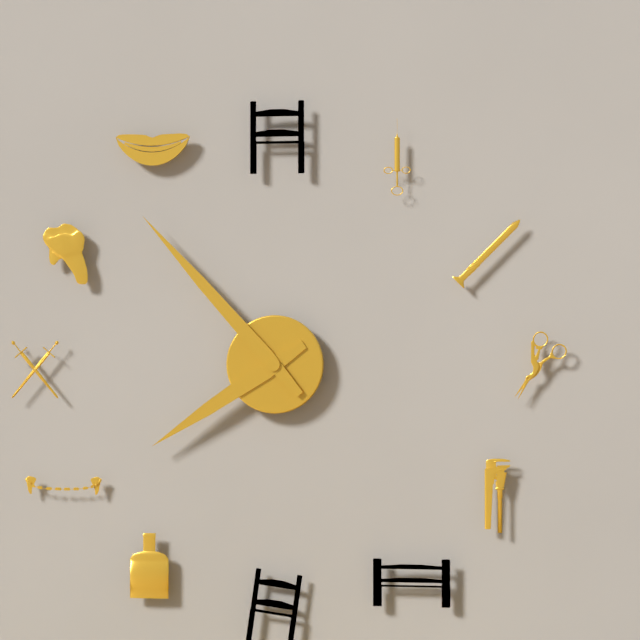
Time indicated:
7h53
